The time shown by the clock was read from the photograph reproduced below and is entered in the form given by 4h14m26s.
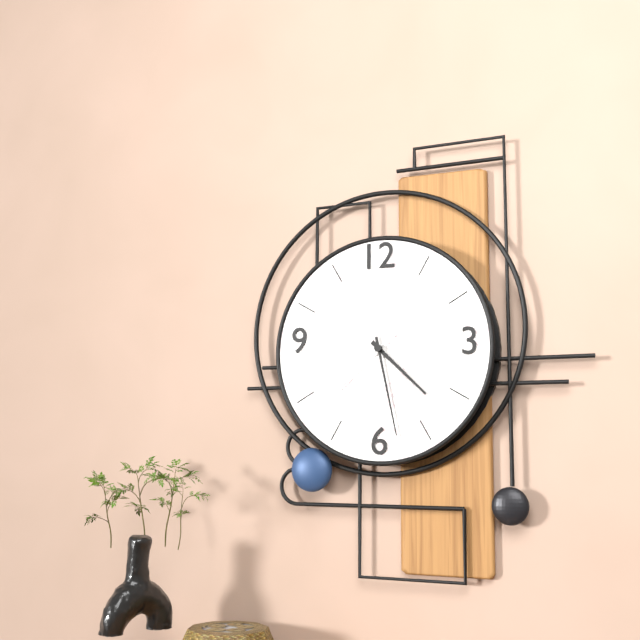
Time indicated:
4h28m38s
